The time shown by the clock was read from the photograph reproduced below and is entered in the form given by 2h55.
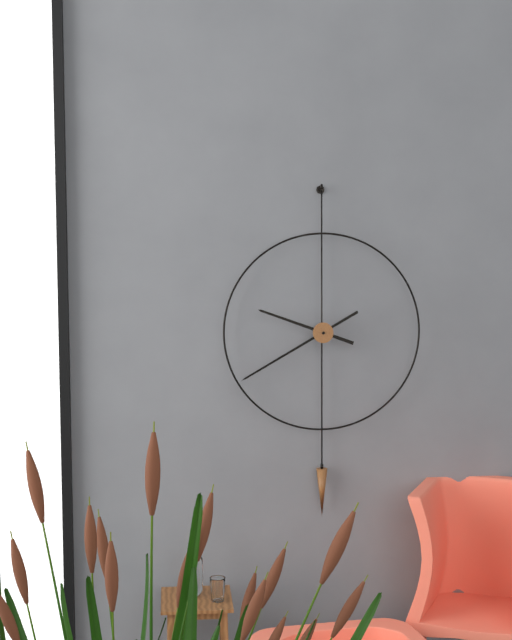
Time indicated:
9h40
